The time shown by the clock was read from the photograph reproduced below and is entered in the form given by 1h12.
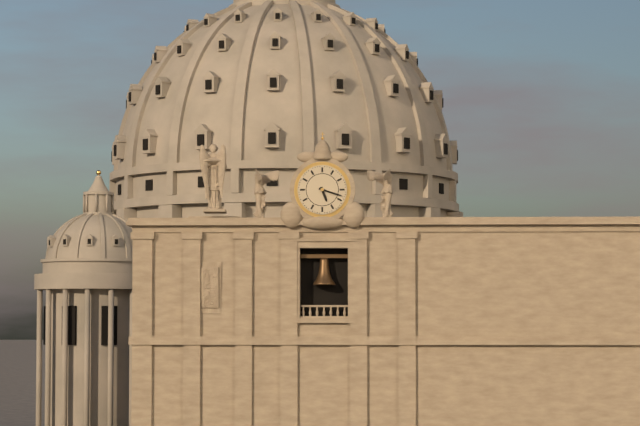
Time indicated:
5h18
